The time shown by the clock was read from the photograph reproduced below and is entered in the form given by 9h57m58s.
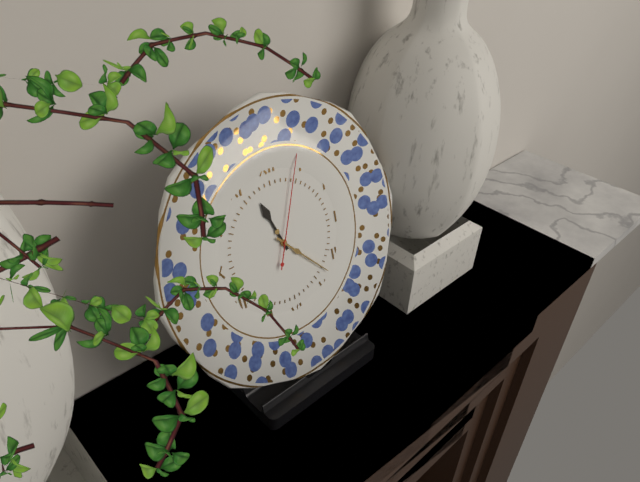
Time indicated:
11h23m04s
